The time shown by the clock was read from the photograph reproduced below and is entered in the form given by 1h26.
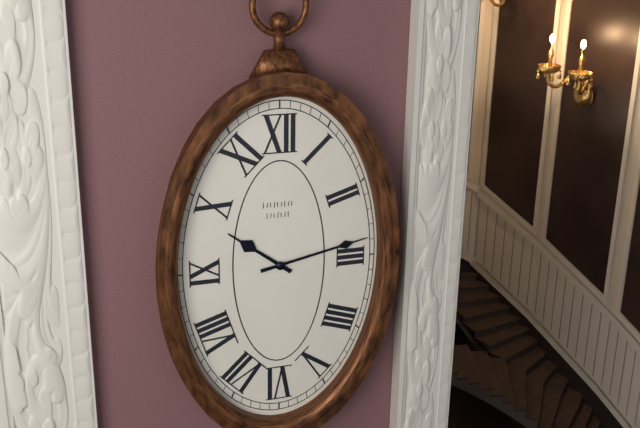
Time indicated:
10h13
